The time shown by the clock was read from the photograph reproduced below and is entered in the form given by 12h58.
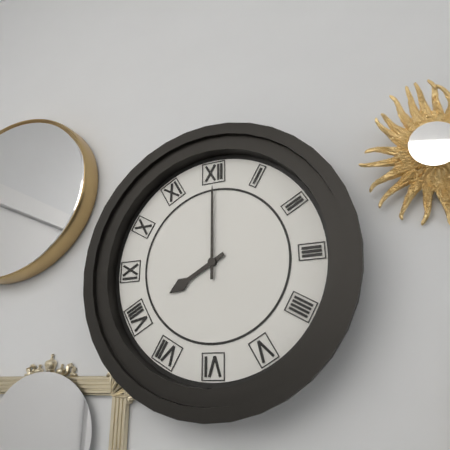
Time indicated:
8h00
